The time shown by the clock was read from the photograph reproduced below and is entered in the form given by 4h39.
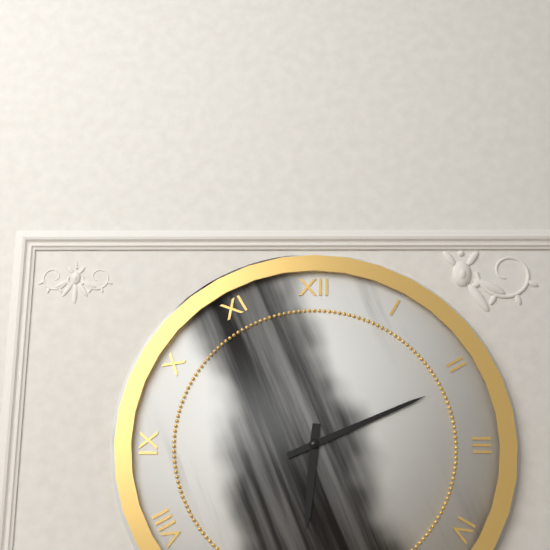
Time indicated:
6h11
